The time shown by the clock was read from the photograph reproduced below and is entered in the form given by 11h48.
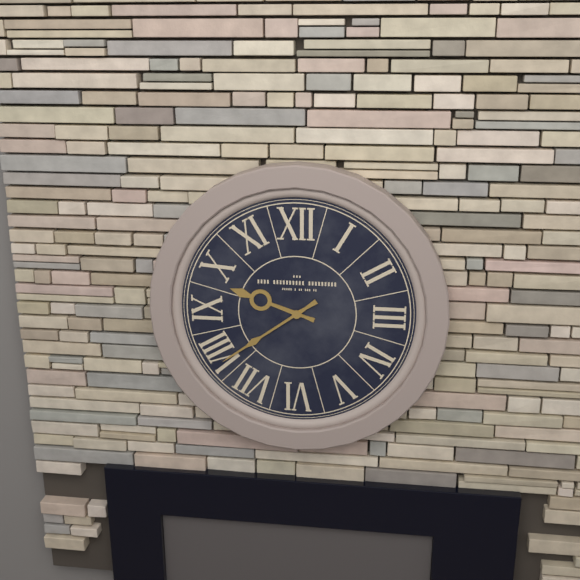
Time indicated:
9h39
